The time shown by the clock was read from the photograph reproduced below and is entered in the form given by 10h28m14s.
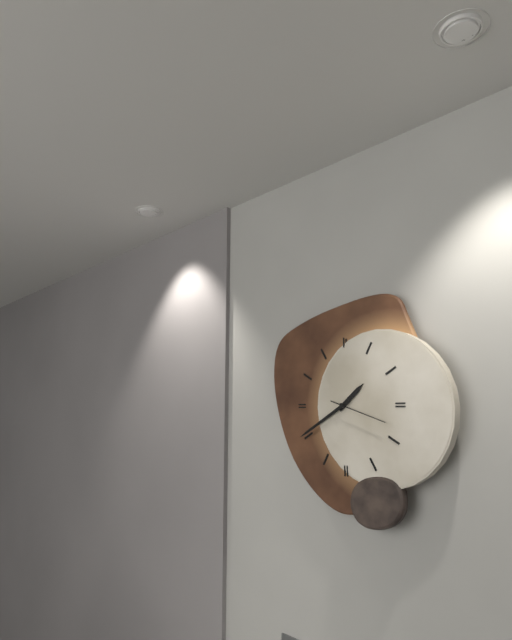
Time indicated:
1h40m18s
